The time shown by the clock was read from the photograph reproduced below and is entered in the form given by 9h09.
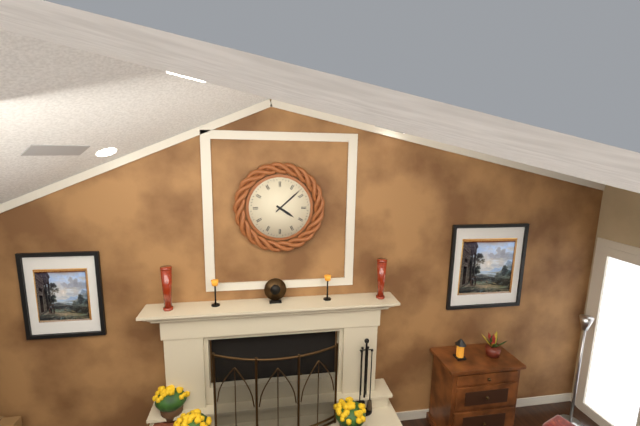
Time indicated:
4h08
